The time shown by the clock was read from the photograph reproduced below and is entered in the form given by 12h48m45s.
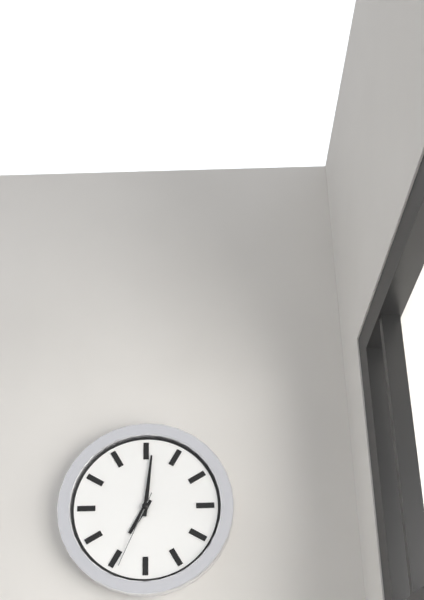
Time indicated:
7h01m34s
